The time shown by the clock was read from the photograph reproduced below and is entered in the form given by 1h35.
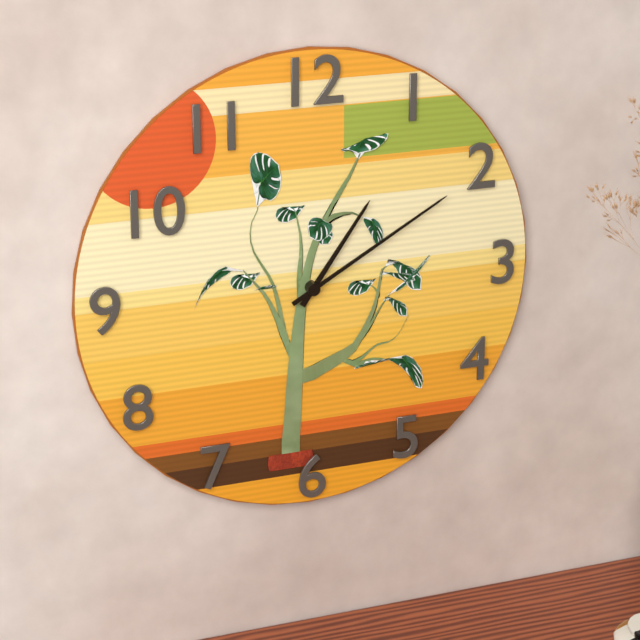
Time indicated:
1h10
